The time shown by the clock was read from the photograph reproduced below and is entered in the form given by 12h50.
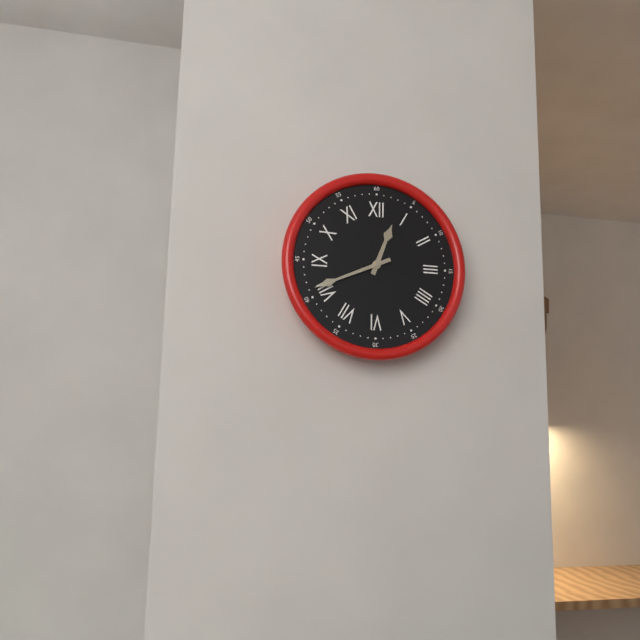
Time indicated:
12h41
